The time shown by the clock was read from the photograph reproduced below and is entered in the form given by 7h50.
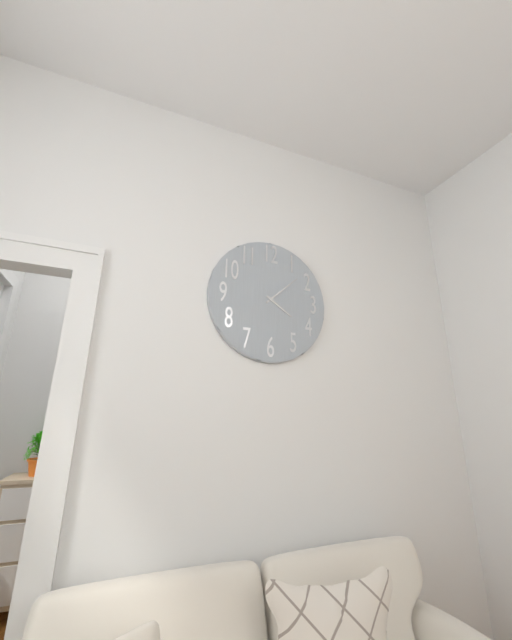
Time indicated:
4h08
